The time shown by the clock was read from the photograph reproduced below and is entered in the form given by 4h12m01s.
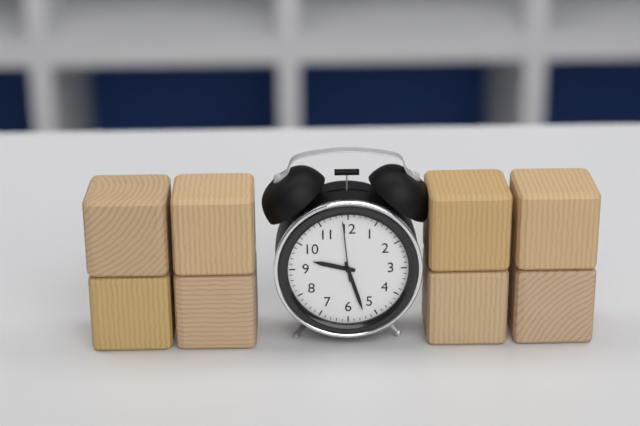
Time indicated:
9h27m59s
